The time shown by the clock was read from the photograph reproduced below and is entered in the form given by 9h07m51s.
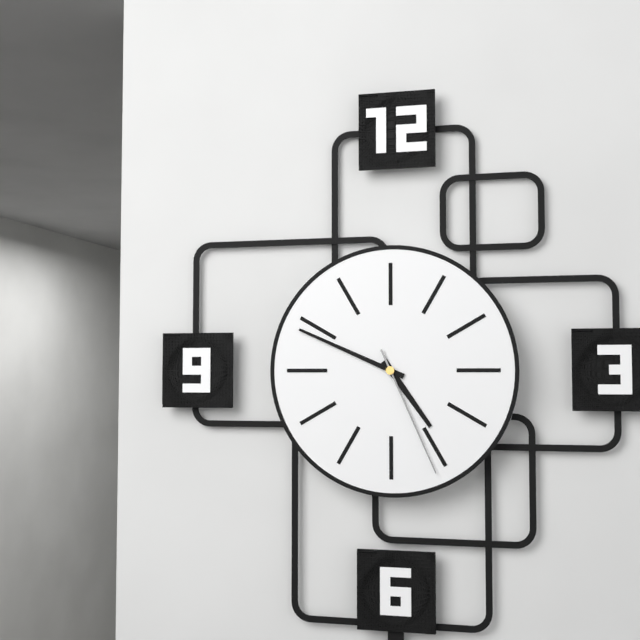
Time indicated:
4h49m26s
